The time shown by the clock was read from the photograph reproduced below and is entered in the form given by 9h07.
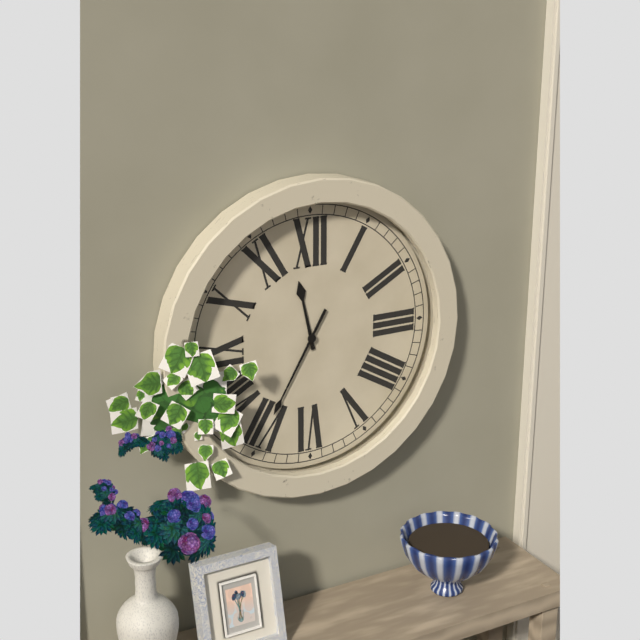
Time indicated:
11h35
